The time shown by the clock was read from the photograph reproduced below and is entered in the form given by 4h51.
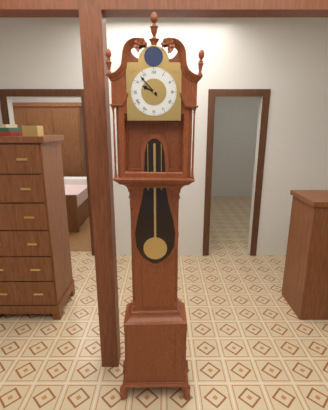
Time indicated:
9h53
